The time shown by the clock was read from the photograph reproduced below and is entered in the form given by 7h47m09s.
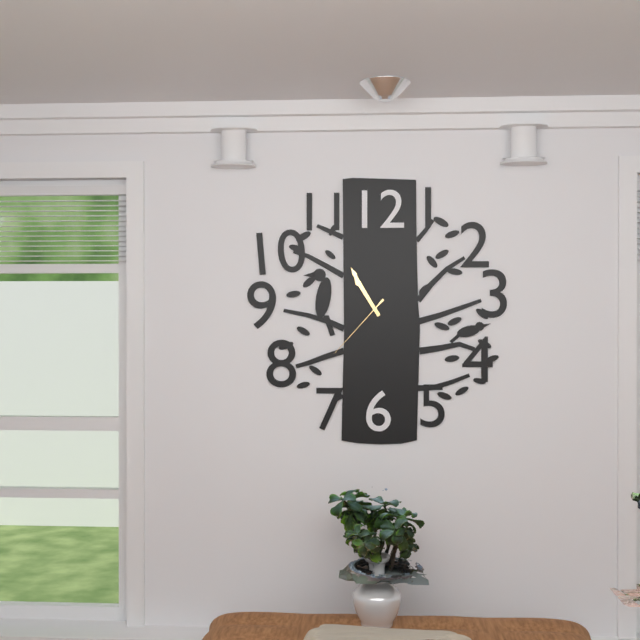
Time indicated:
10h55m37s
